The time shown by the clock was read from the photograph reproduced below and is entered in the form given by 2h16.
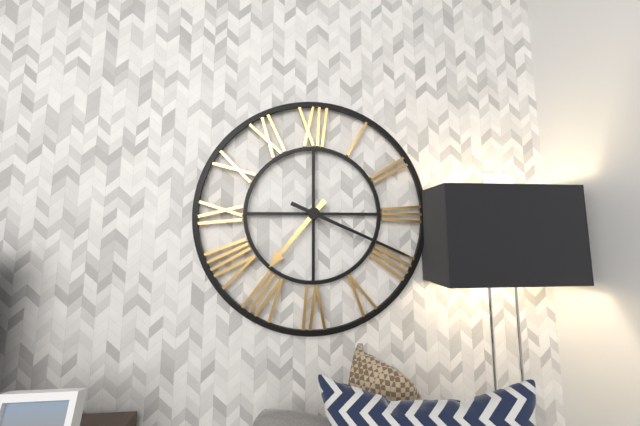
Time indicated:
7h19
